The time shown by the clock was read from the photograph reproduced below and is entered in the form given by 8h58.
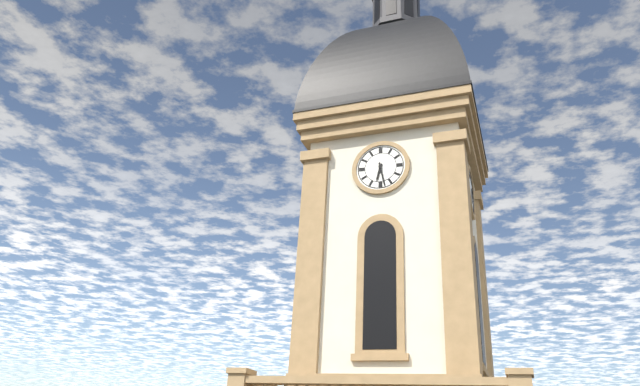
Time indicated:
6h28
